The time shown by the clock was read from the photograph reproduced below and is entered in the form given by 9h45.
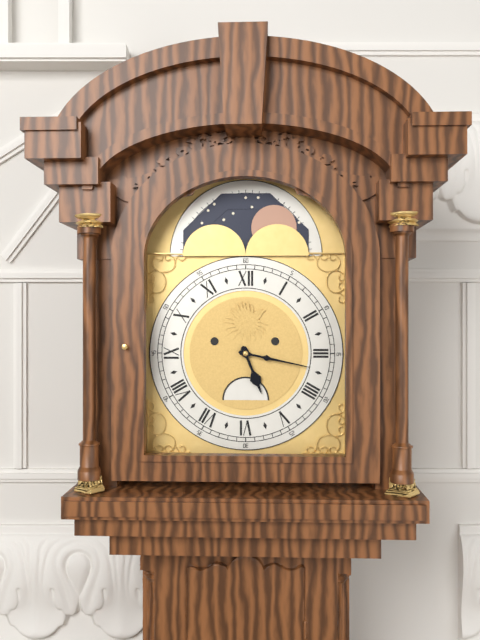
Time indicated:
5h17
